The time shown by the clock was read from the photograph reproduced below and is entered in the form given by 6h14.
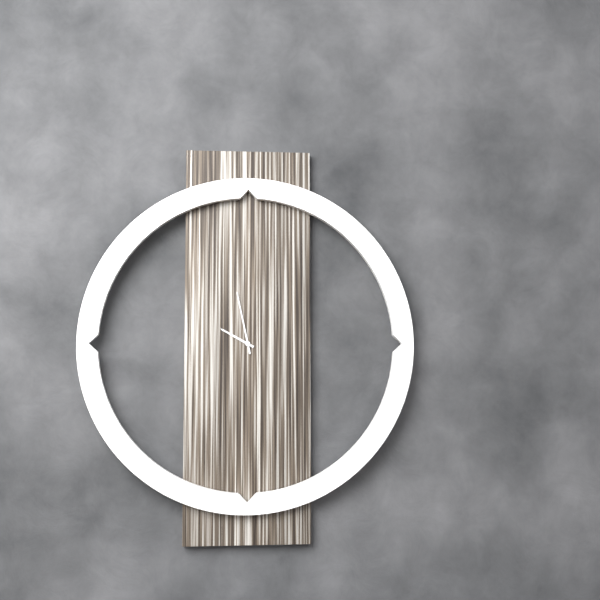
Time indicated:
9h58
